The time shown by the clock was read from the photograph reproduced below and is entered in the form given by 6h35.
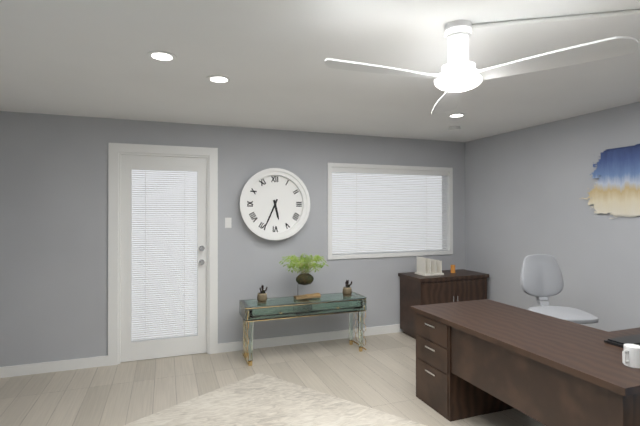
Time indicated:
5h34
